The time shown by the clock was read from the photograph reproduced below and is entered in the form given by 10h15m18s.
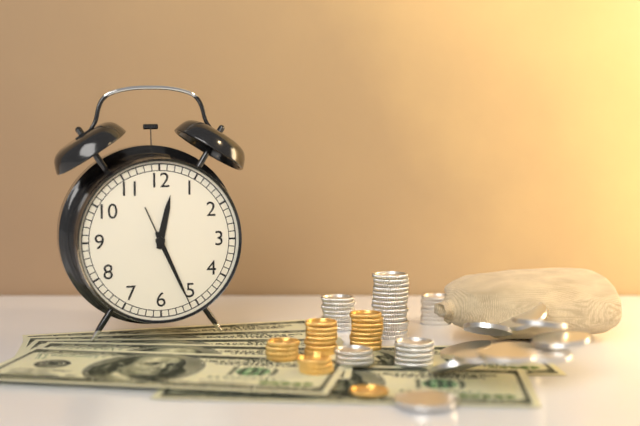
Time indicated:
12h26m26s
